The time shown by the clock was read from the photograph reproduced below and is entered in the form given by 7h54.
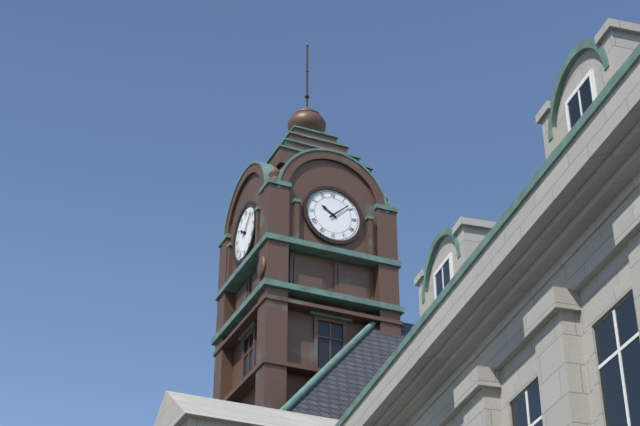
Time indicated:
10h08
